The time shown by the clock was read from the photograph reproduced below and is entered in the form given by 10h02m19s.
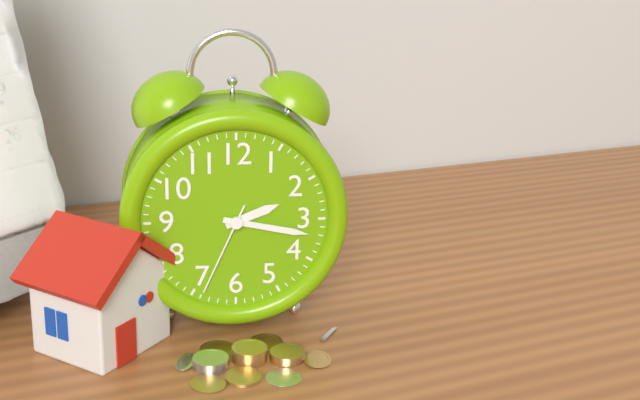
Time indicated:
2h17m34s
